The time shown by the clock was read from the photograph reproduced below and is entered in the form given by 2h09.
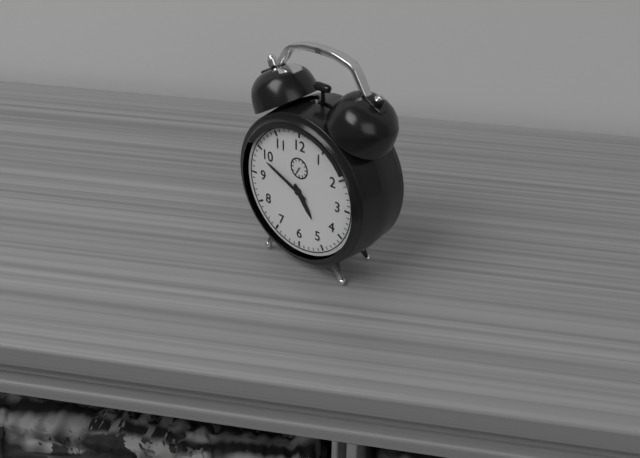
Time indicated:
4h49
